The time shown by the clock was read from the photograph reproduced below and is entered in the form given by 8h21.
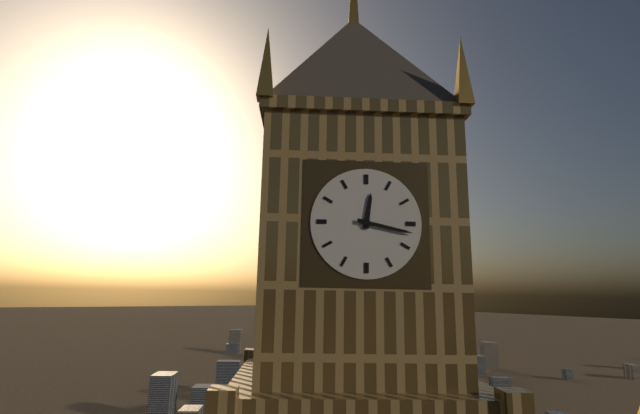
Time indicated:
12h17
